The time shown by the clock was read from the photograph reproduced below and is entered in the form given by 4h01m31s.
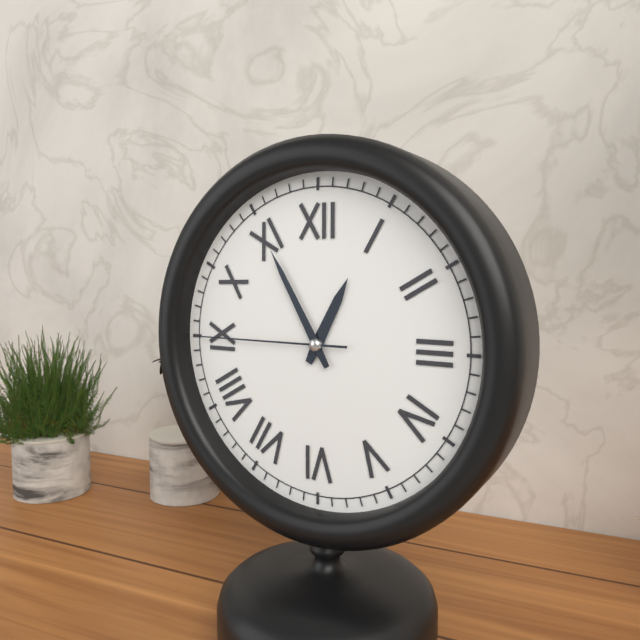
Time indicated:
12h55m45s
